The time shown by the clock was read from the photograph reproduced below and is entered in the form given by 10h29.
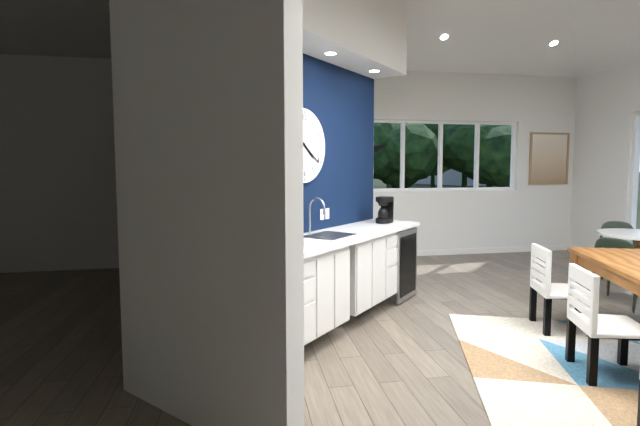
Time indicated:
4h21
